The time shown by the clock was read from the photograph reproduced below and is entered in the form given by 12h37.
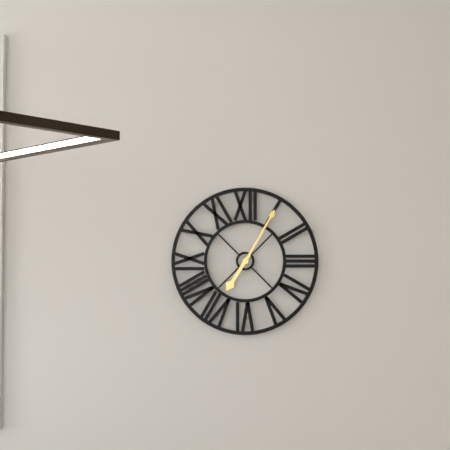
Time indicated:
7h05
